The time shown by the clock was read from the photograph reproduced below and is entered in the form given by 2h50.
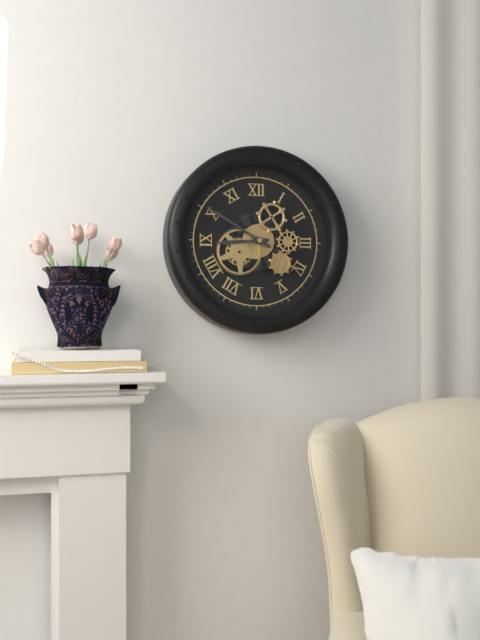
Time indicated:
8h50
